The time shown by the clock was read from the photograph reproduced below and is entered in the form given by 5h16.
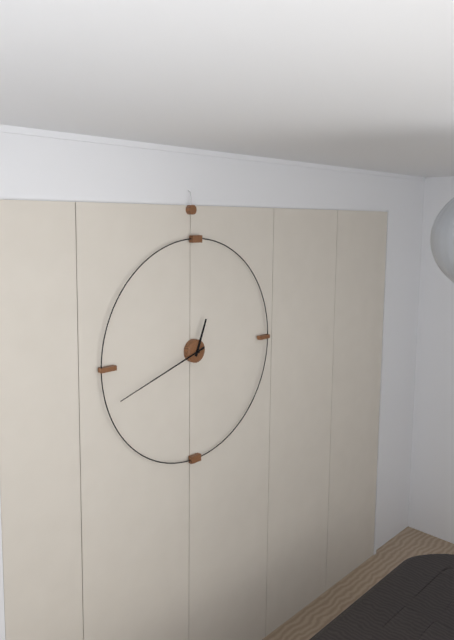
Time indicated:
12h42
